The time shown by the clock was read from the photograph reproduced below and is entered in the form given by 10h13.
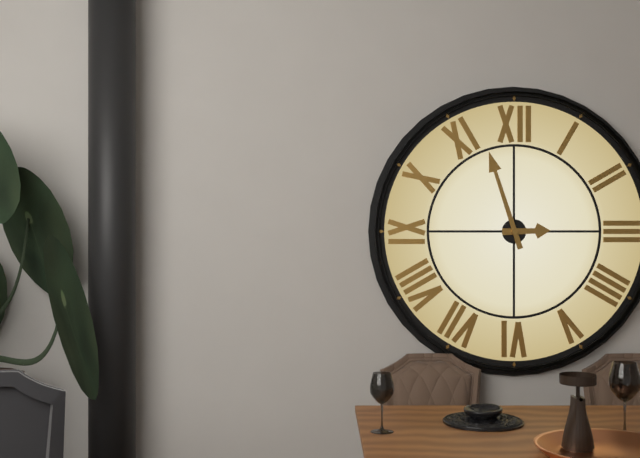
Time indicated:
2h57
